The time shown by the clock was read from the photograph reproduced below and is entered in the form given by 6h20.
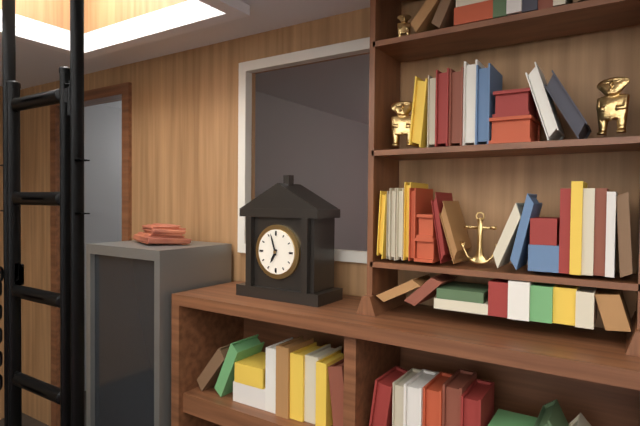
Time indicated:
6h57
